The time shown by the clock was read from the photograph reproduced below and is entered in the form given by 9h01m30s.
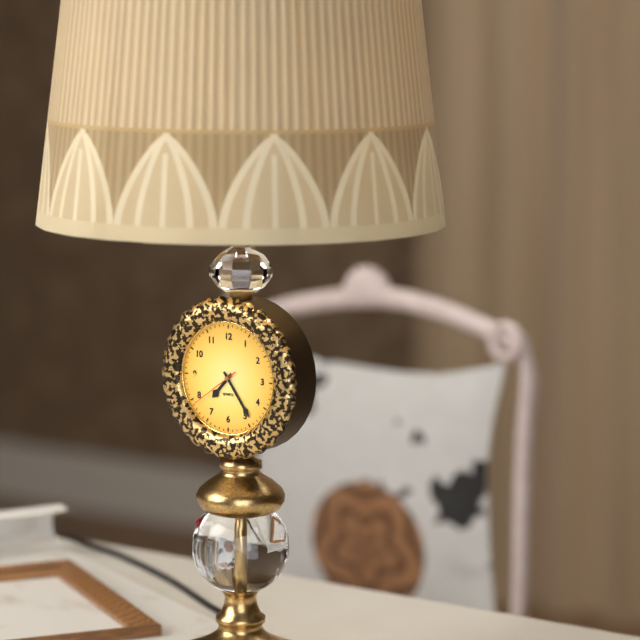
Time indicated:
7h24m39s
